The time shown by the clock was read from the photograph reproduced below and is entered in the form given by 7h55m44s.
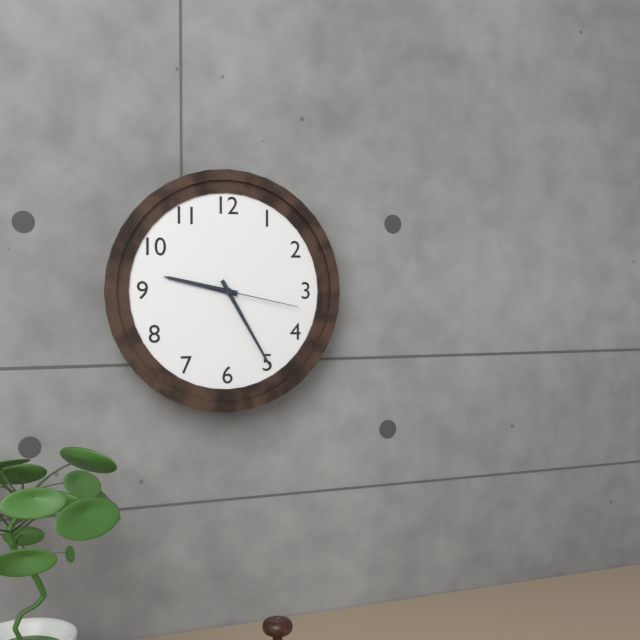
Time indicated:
9h25m17s
